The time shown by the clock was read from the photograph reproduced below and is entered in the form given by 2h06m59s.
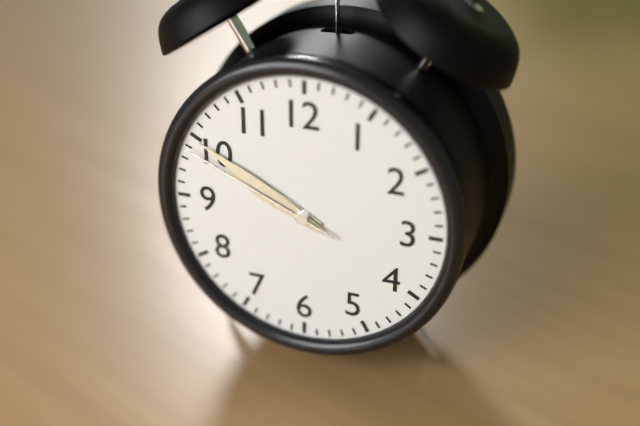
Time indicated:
9h50m49s
